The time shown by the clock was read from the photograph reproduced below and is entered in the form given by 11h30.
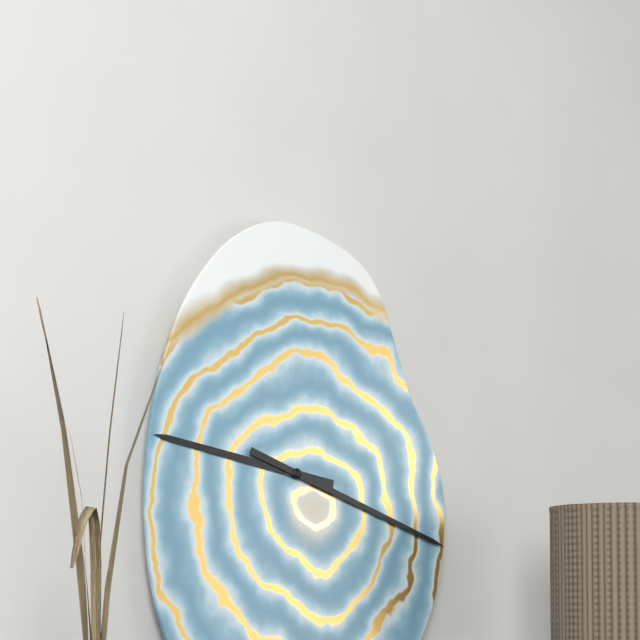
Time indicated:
9h18
